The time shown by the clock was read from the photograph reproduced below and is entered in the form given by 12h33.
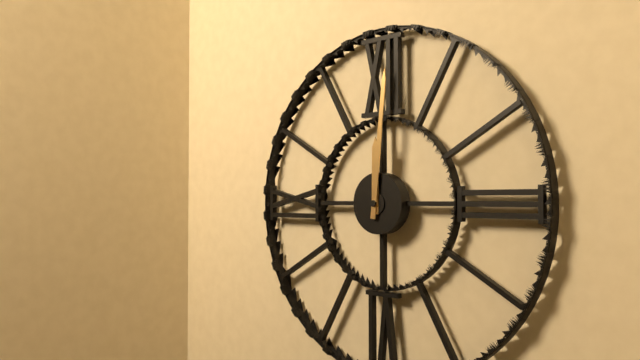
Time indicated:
12h01
